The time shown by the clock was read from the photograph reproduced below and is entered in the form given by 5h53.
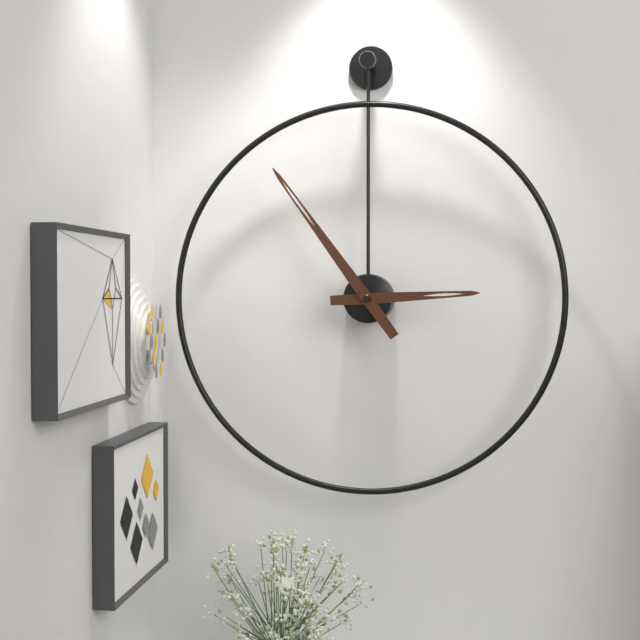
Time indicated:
2h54
